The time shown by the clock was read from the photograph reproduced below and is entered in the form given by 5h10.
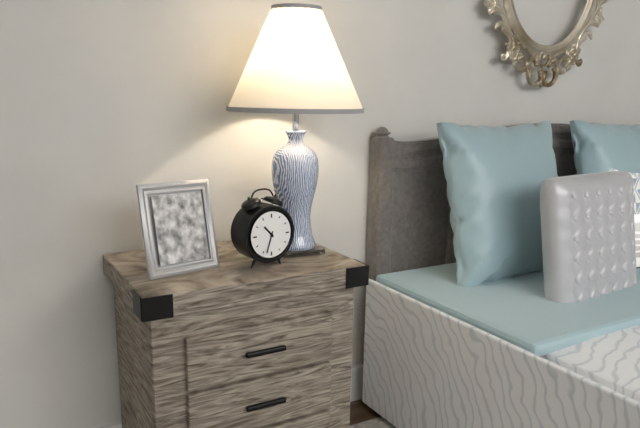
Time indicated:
10h33
